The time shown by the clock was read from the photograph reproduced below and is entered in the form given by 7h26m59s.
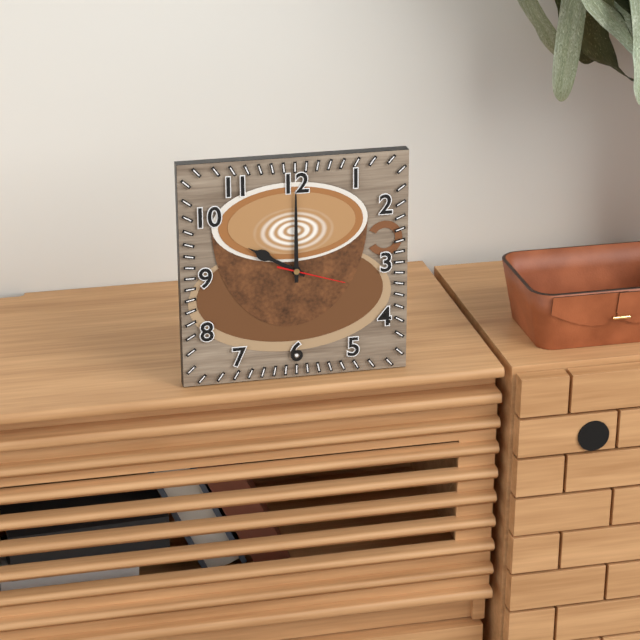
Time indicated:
10h00m18s
